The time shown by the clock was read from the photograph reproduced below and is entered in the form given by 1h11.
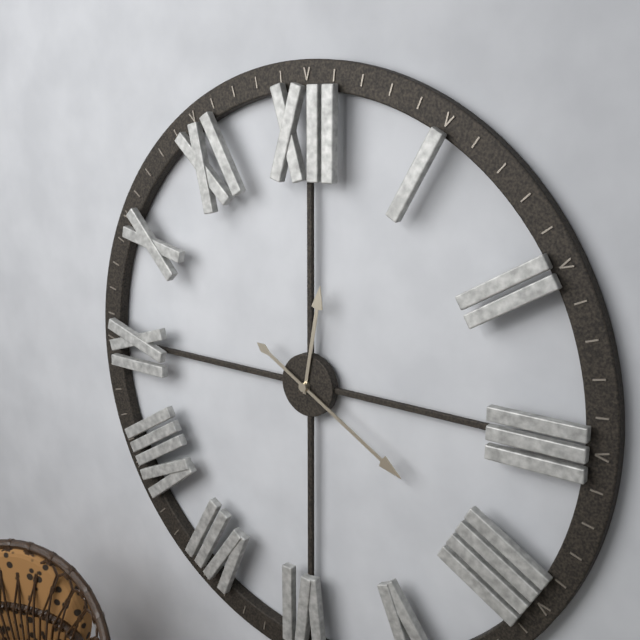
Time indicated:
12h20
